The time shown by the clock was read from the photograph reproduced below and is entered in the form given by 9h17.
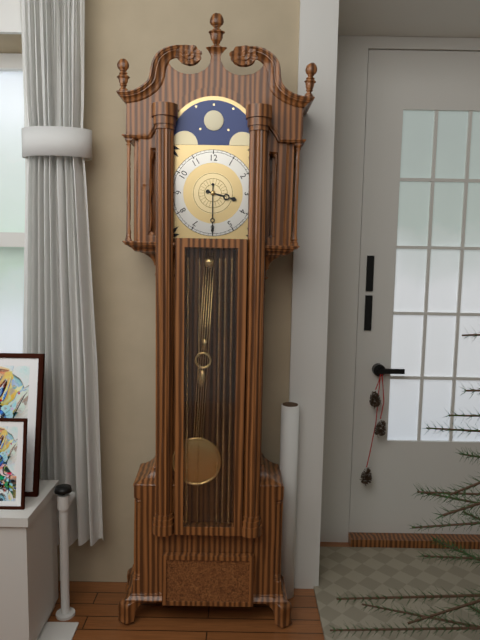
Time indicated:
3h30
